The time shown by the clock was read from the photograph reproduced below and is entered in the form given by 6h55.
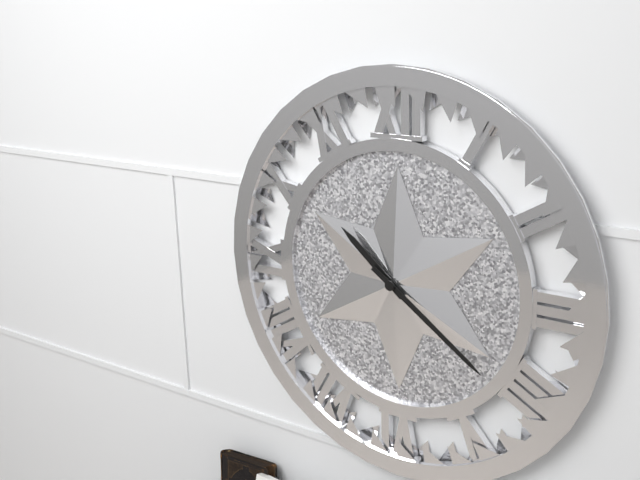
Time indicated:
10h21
